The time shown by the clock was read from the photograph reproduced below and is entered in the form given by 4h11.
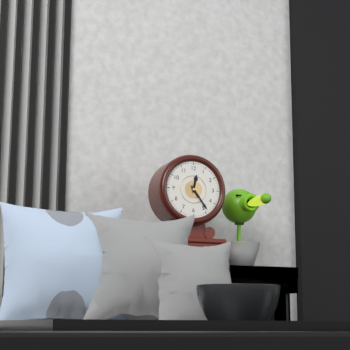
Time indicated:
12h24
